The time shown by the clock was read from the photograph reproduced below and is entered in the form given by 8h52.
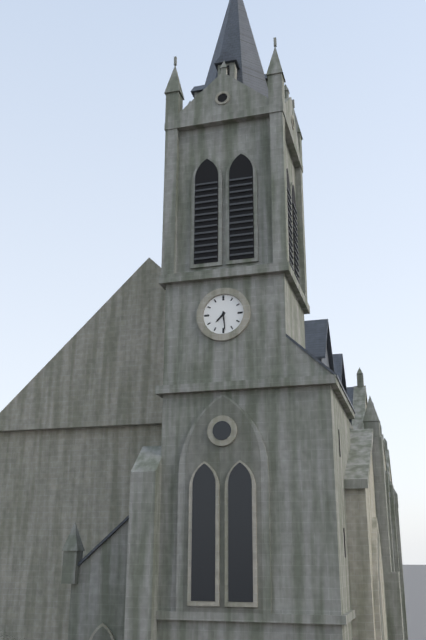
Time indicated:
7h29
